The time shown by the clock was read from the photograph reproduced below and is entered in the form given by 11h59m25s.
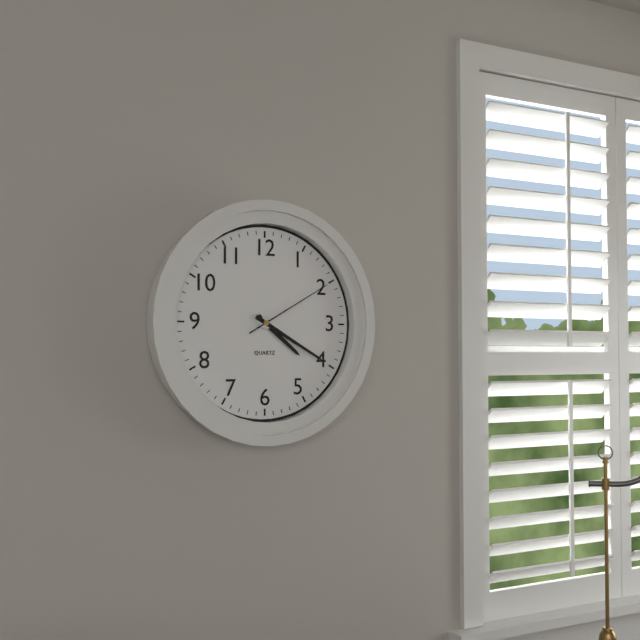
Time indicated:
4h20m10s
